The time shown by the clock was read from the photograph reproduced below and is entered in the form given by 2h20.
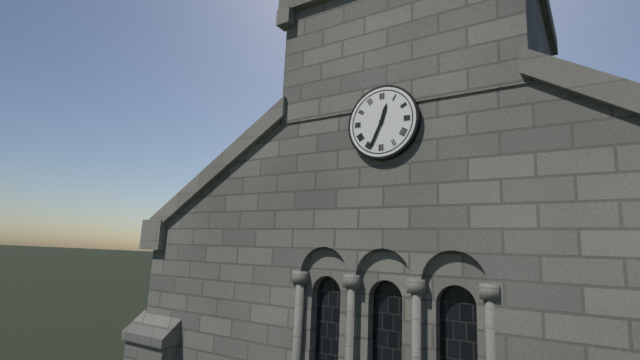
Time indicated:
12h34
